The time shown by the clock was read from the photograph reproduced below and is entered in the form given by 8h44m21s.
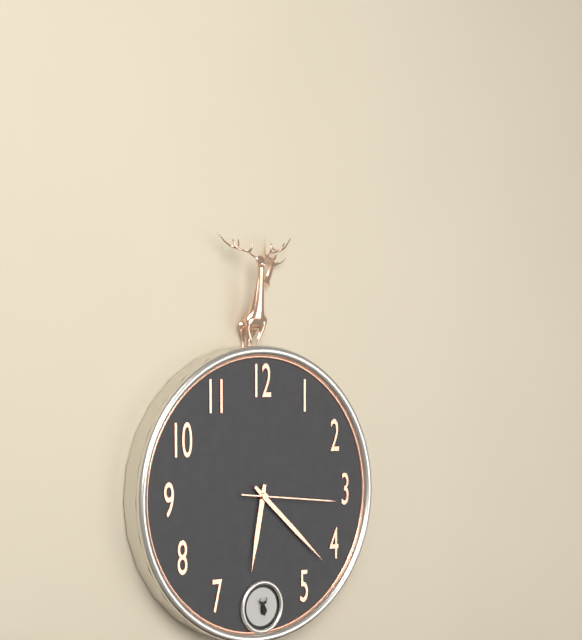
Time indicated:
6h22m16s
